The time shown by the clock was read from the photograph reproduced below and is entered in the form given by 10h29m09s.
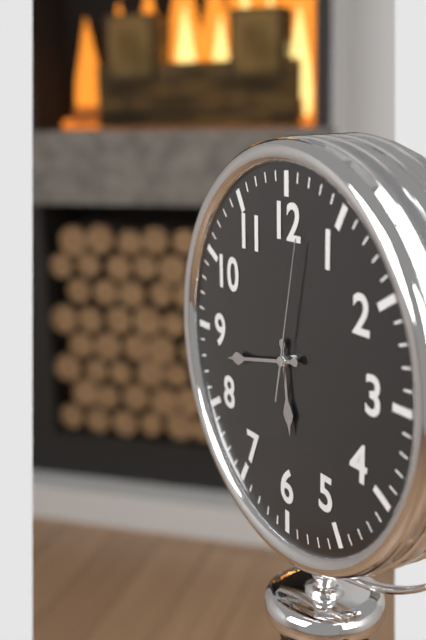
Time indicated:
5h43m02s
